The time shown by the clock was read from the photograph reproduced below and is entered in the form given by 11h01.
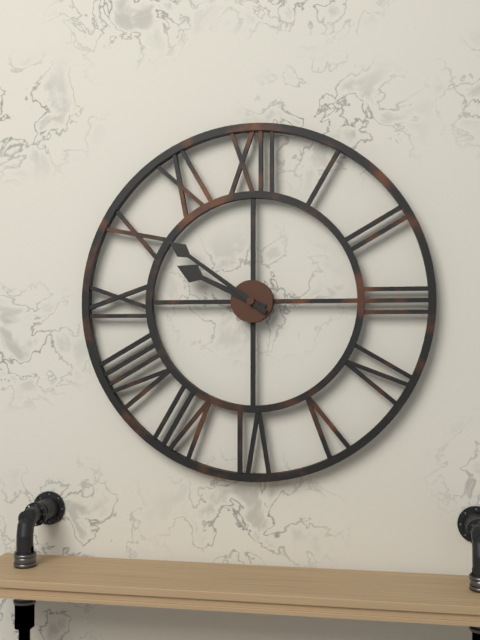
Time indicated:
9h51
